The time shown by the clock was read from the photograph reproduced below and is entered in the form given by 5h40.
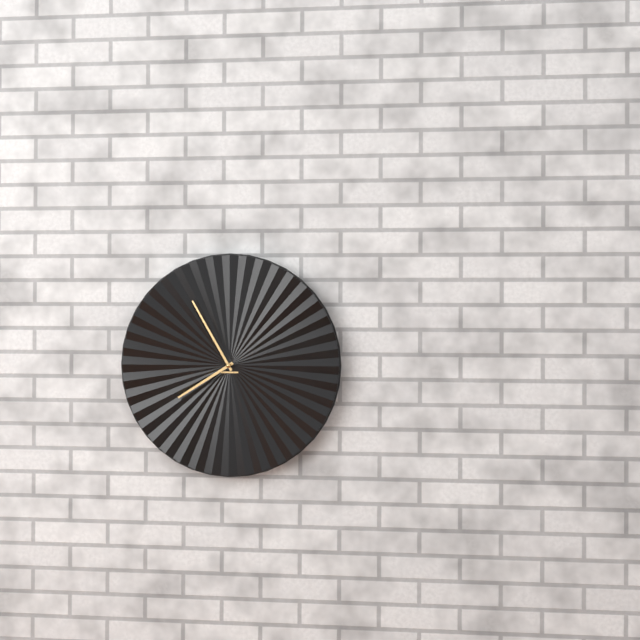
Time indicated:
7h55
